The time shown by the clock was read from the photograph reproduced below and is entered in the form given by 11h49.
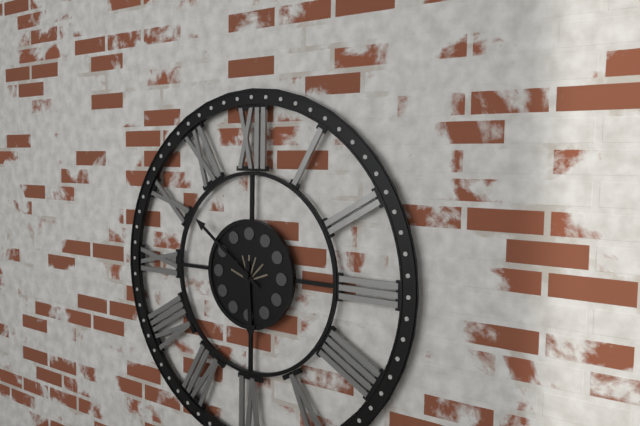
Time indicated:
5h51
